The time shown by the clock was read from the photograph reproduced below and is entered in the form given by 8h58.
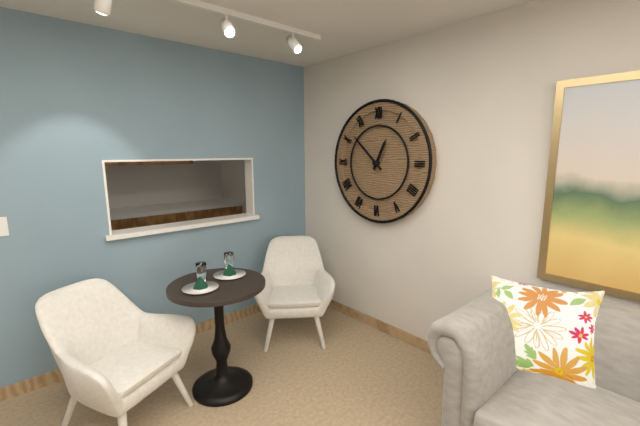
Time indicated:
12h52
